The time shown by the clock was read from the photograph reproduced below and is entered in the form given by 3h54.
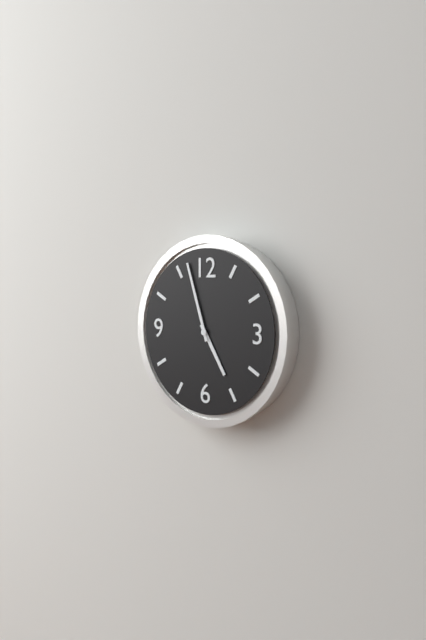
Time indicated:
4h57
